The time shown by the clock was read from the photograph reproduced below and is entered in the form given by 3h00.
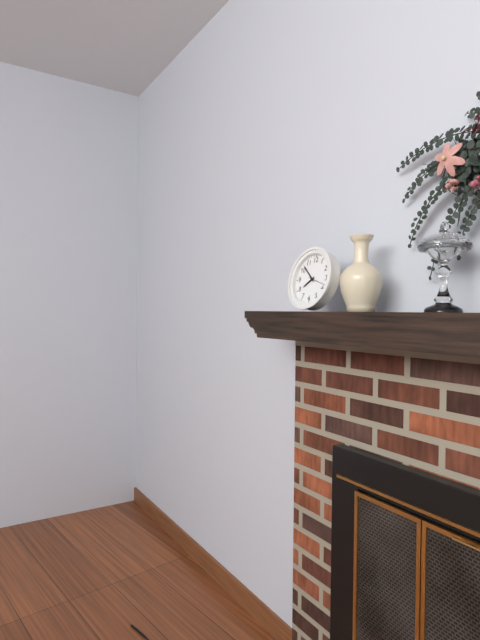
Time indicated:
7h52
